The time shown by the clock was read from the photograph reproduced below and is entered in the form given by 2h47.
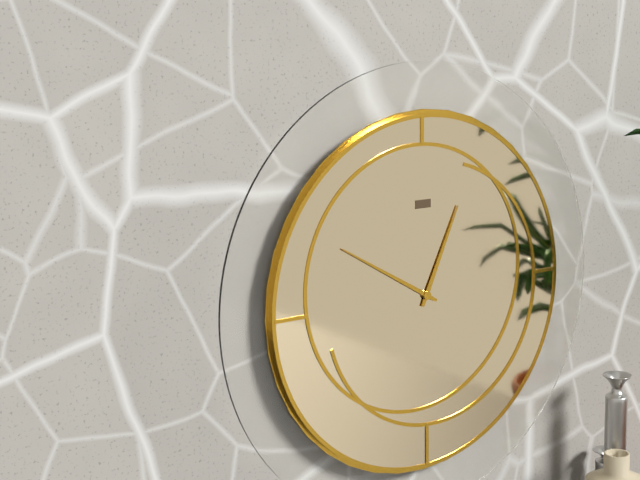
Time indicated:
12h50
